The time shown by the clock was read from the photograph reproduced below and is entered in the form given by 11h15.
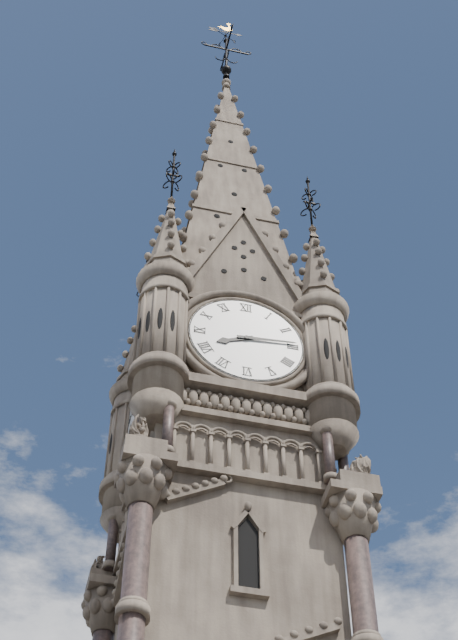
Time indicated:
8h14
